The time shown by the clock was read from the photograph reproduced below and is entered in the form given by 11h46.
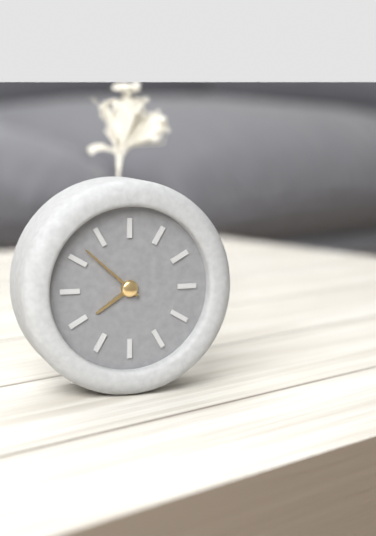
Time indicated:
7h52
